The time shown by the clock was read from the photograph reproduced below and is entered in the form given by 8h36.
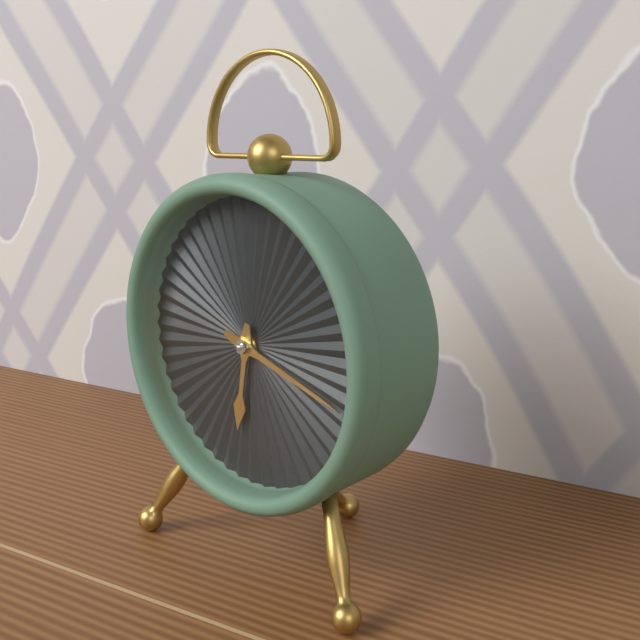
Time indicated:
6h18
